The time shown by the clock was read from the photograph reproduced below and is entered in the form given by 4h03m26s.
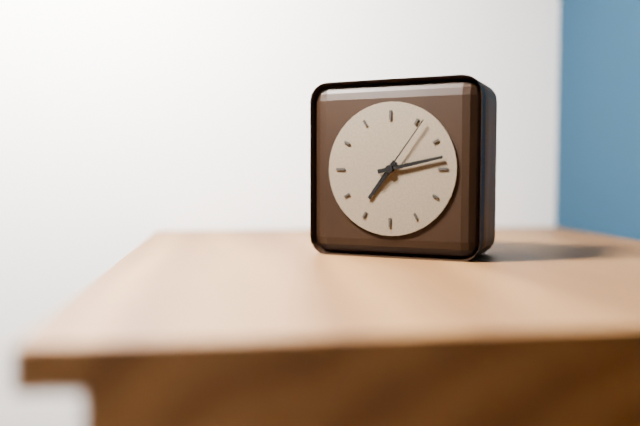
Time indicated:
7h13m06s
